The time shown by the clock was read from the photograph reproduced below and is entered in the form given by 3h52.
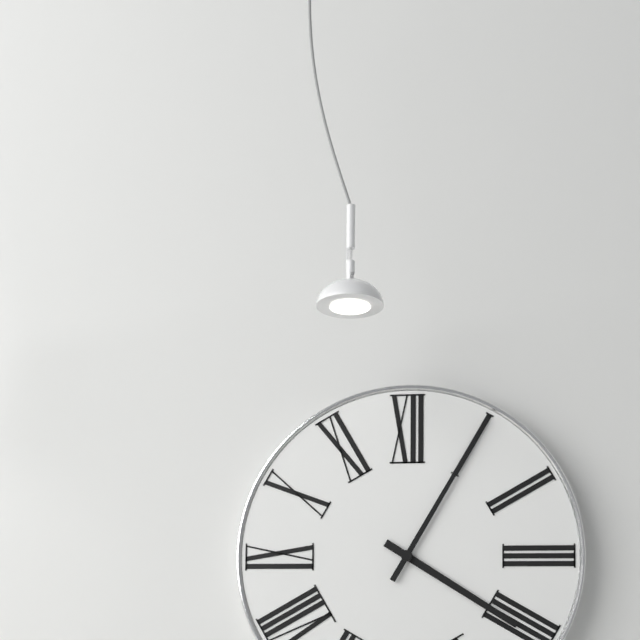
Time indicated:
4h05
